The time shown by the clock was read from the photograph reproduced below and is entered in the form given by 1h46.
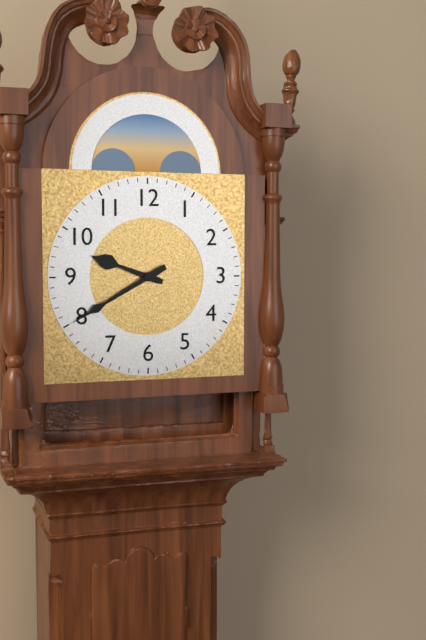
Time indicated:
9h40
